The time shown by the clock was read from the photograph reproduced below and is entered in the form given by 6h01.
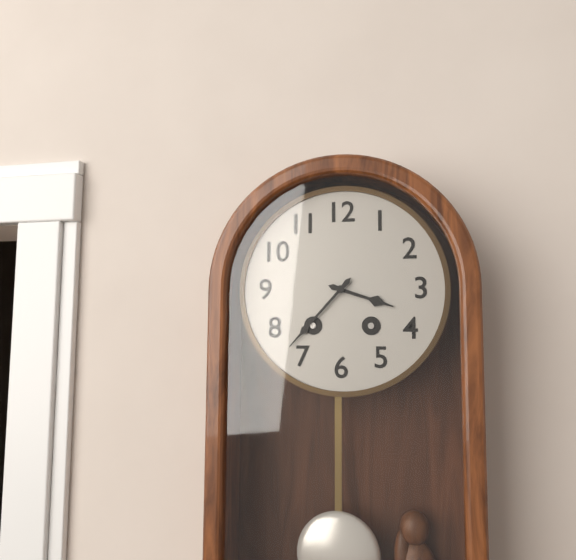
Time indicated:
3h37
